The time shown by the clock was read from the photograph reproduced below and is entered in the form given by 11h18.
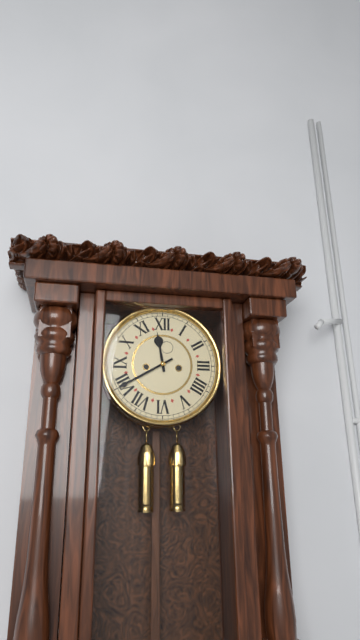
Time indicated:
11h40
